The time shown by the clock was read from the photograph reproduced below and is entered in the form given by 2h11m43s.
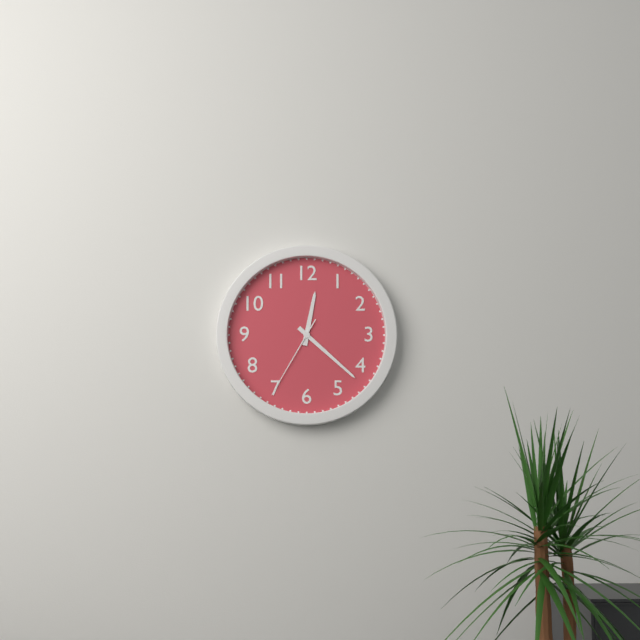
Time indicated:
12h22m35s
